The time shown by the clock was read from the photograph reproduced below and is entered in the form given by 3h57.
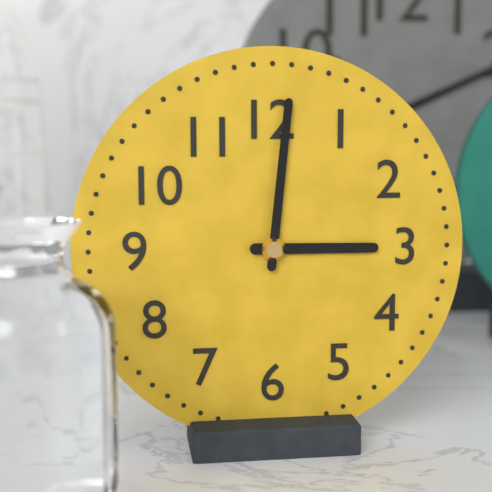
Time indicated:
3h01
